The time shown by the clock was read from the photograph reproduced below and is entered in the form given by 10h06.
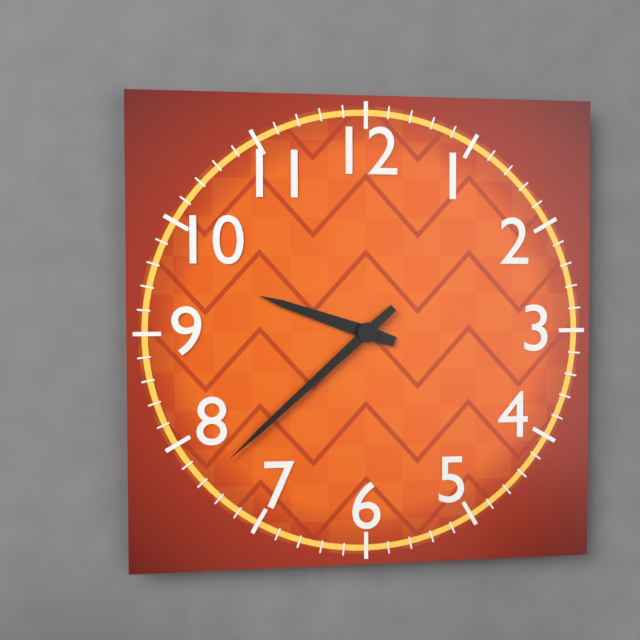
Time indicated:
9h38
